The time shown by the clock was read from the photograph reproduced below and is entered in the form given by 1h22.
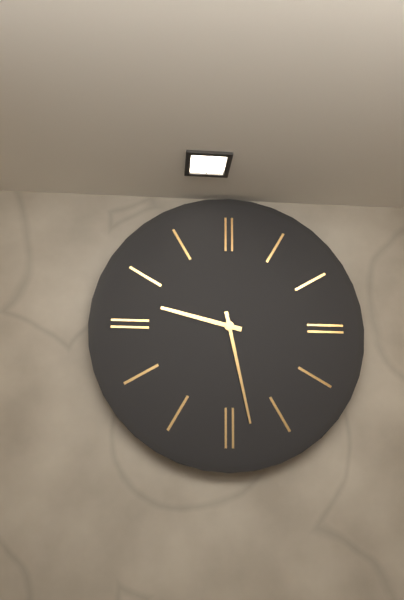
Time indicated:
9h28
